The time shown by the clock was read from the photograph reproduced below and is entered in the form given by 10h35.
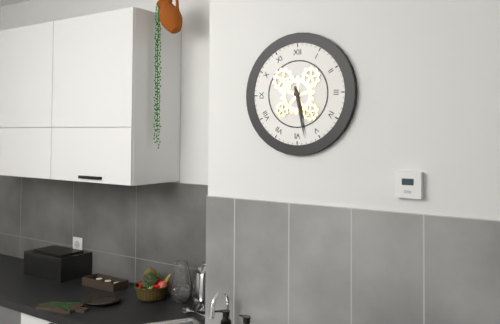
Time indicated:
5h28
